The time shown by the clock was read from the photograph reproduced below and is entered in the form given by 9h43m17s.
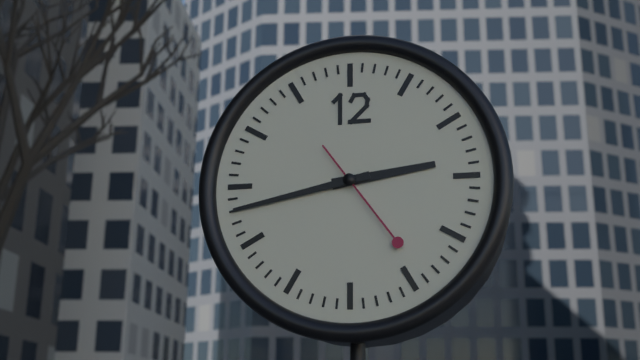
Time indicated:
2h43m24s
